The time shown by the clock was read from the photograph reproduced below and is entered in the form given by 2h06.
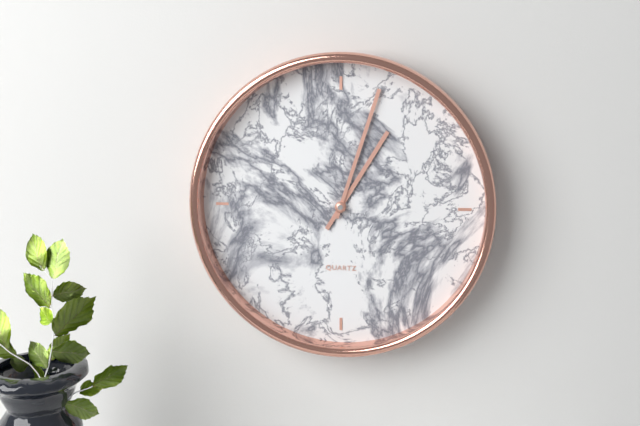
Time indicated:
1h03
